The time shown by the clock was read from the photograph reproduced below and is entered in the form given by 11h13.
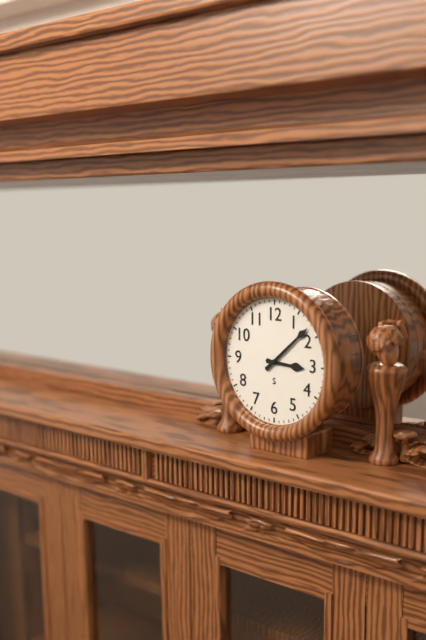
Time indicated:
3h08
